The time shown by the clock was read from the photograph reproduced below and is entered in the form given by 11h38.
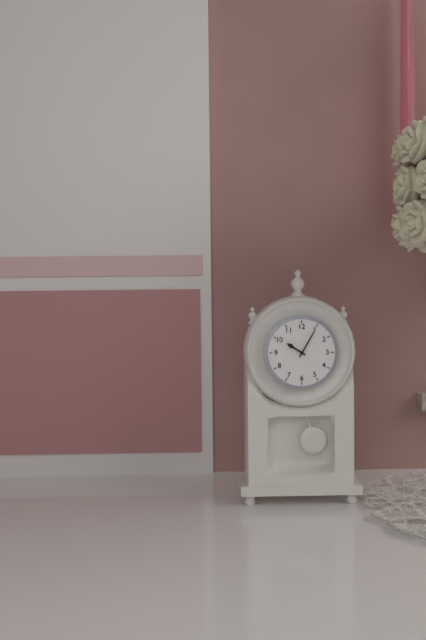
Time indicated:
10h05
